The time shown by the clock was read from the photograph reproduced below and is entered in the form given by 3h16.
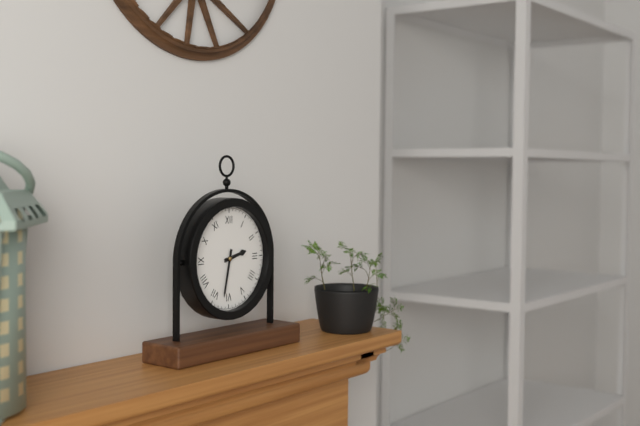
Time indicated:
2h32
